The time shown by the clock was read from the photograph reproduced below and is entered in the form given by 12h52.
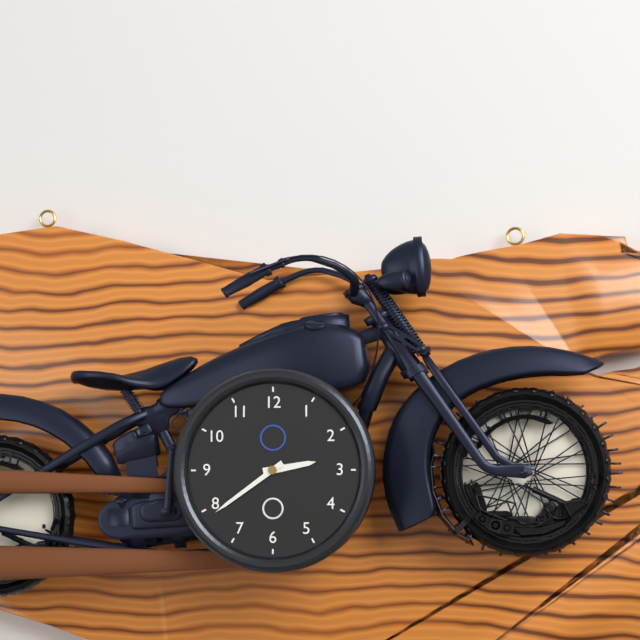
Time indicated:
2h39
